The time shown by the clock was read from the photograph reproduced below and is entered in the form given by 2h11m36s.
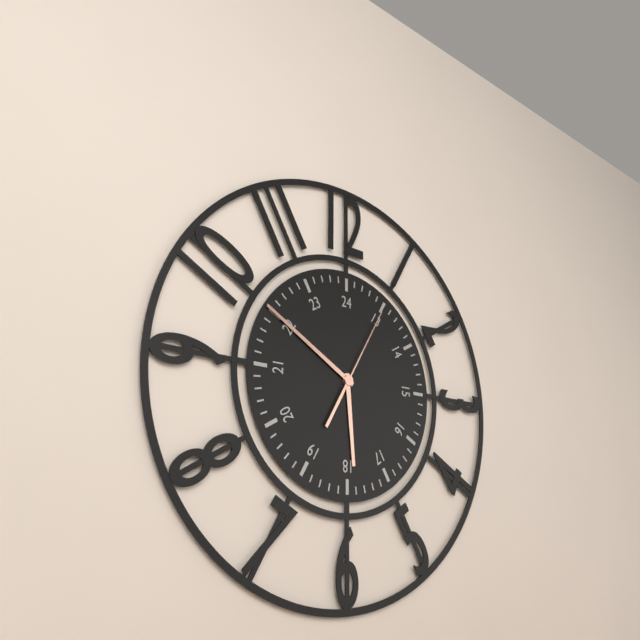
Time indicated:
5h50m05s
